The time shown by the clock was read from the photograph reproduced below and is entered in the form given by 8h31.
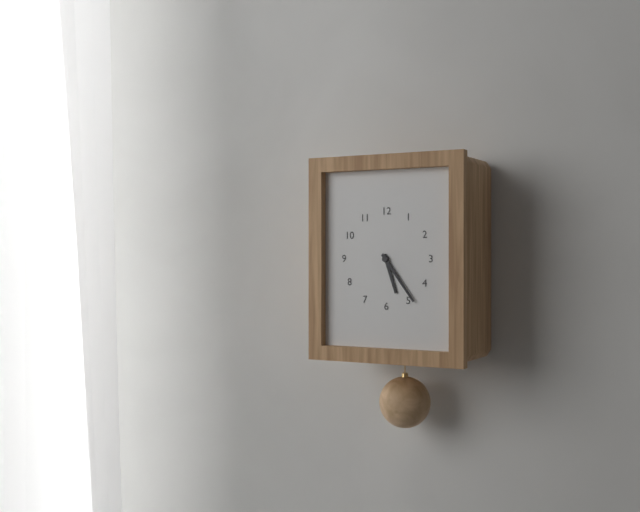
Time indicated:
5h24
